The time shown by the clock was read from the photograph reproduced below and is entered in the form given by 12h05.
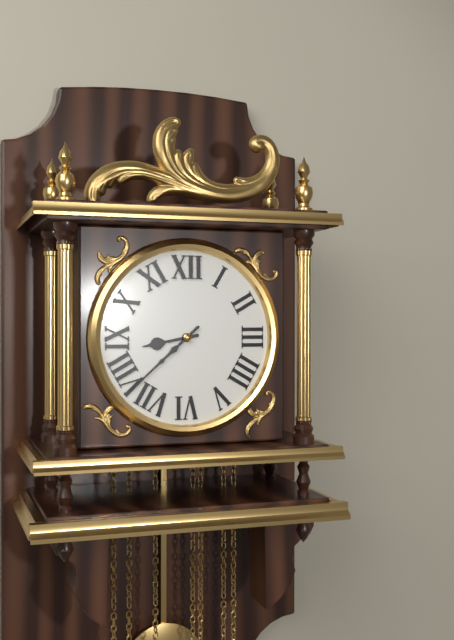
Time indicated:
8h38
